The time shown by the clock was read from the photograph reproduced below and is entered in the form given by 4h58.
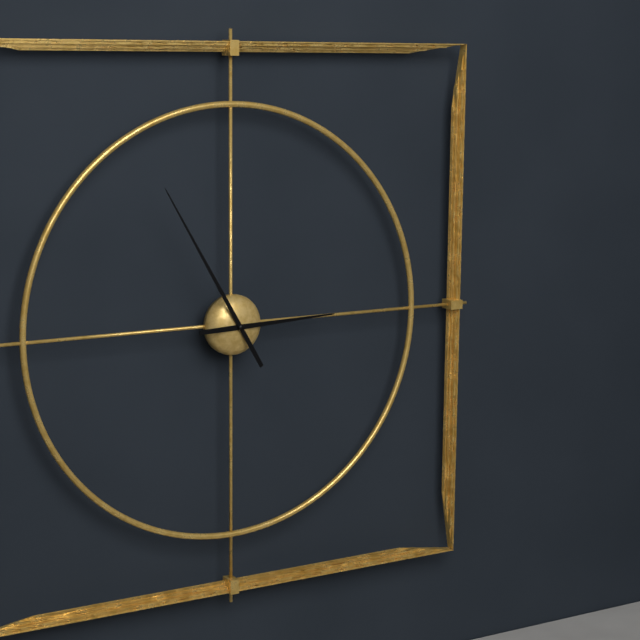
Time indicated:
2h55
